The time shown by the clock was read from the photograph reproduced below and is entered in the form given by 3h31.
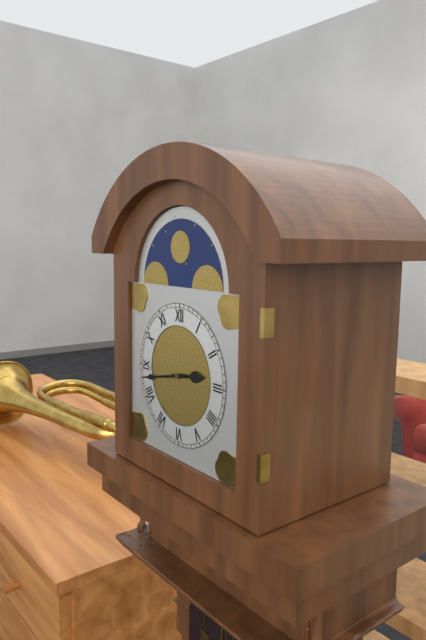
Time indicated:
2h43
